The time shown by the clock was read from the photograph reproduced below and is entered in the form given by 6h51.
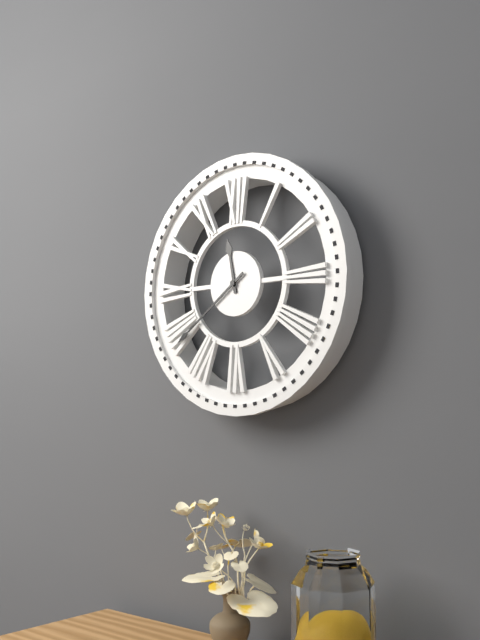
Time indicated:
11h39
